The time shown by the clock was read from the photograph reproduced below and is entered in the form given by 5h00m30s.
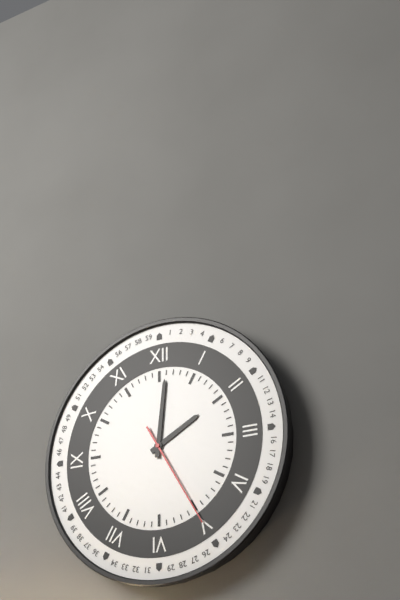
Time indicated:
2h01m25s
